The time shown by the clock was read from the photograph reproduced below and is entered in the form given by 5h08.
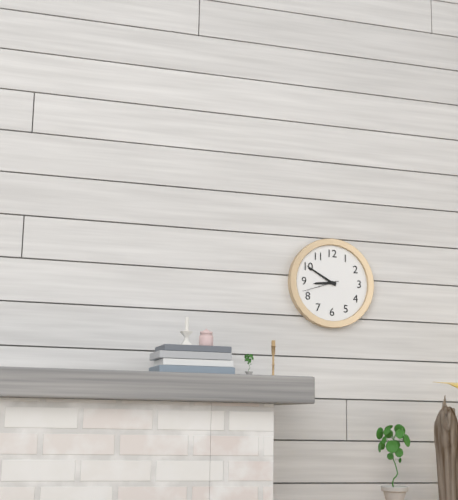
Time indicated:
8h50
